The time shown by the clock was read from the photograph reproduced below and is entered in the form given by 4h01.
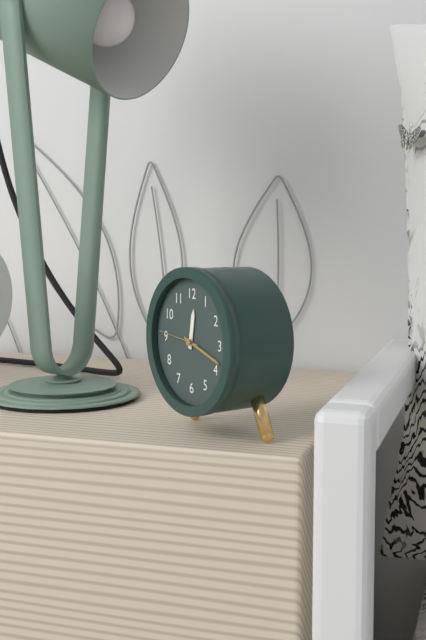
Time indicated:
12h18
